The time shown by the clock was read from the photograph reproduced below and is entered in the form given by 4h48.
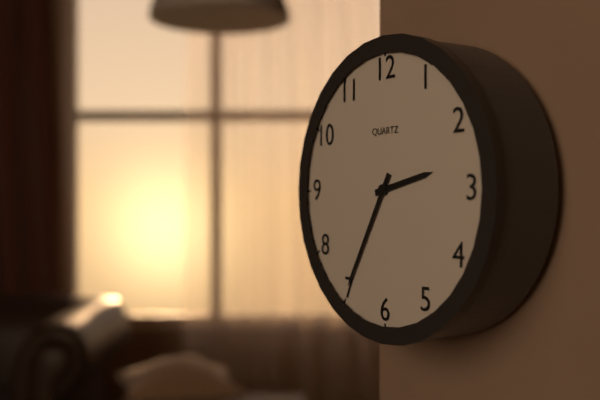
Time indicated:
2h35
